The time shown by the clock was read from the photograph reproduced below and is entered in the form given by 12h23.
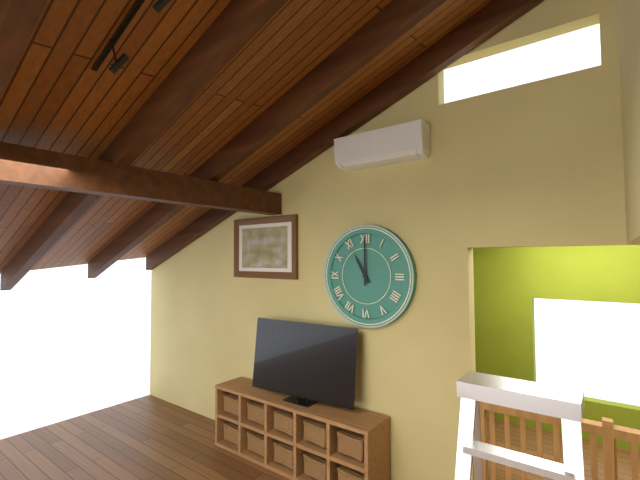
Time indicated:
11h00
